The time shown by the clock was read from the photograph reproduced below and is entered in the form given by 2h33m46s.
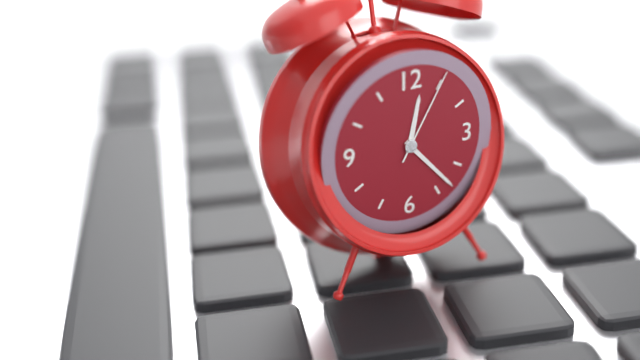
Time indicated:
12h23m05s
